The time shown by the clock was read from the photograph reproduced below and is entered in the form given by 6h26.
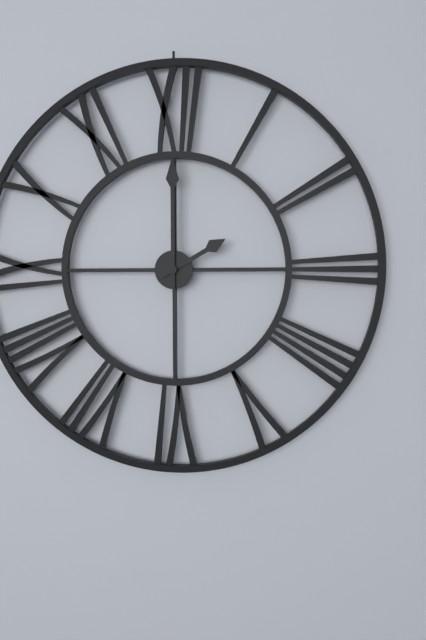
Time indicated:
2h00
